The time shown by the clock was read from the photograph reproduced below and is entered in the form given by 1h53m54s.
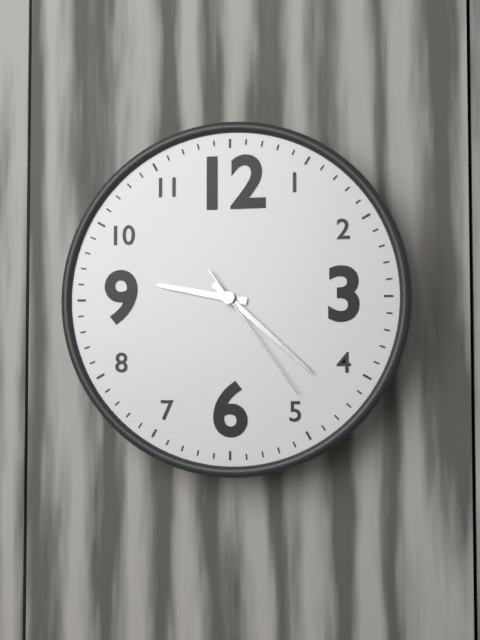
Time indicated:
9h22m24s
